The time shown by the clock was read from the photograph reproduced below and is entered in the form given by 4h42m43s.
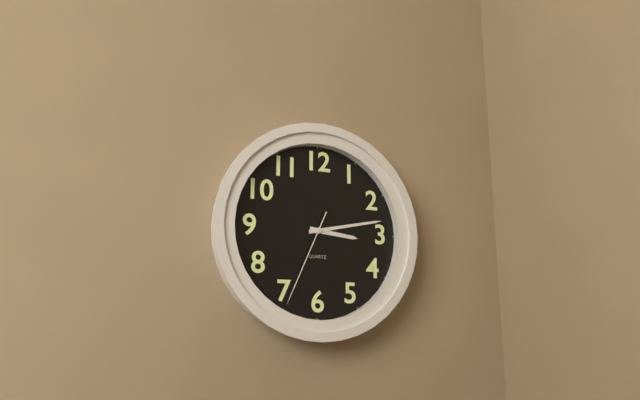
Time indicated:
3h13m34s
